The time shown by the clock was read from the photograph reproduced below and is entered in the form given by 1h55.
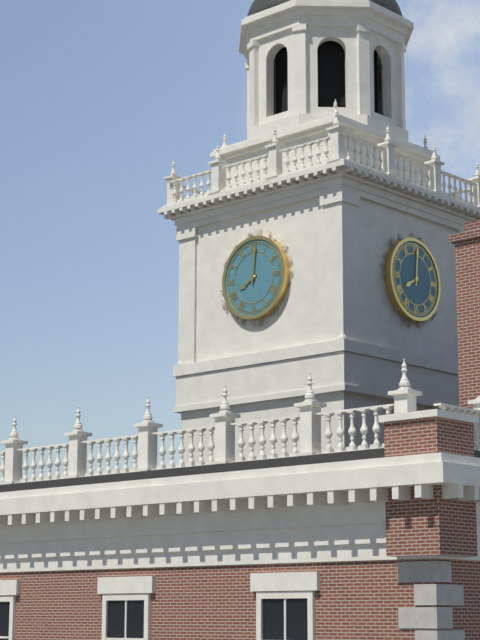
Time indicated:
8h01
